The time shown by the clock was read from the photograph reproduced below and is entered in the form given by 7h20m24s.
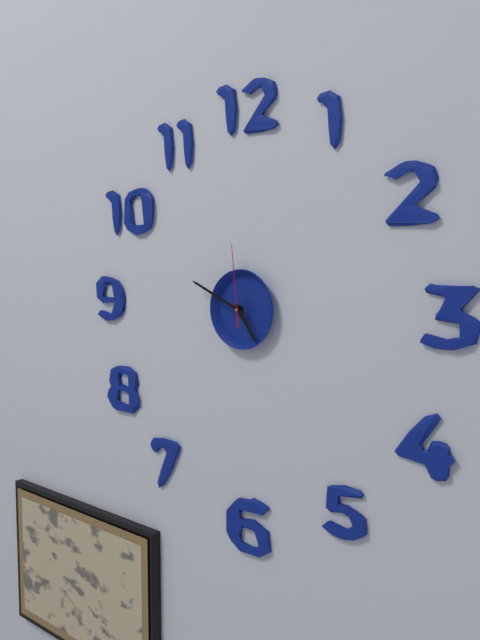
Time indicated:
4h49m59s
